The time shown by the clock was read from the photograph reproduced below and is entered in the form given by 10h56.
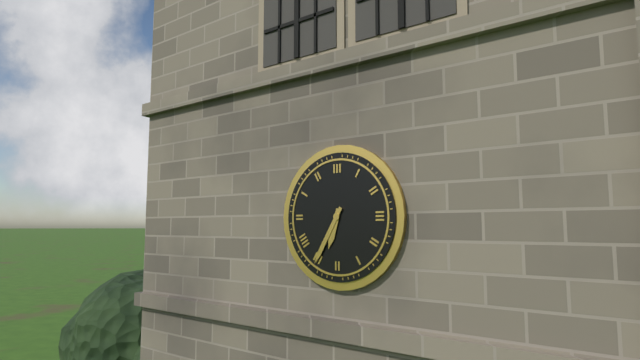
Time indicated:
6h35
